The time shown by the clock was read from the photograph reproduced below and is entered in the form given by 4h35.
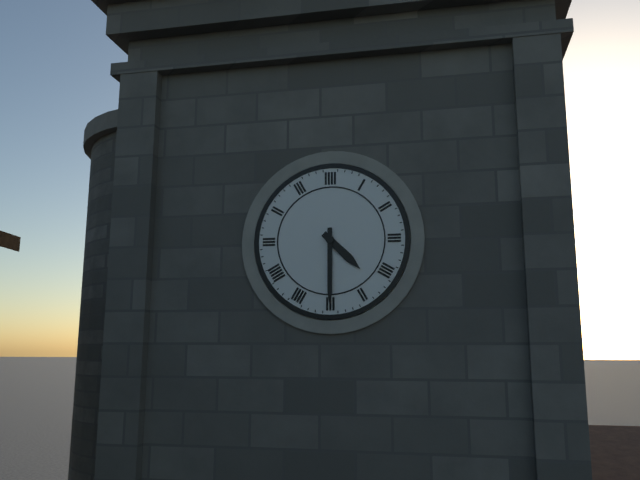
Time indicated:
4h30
